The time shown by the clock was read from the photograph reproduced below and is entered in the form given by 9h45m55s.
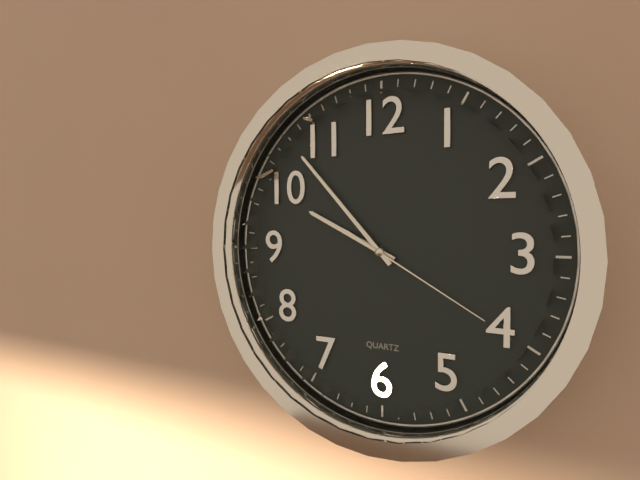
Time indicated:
9h53m20s
